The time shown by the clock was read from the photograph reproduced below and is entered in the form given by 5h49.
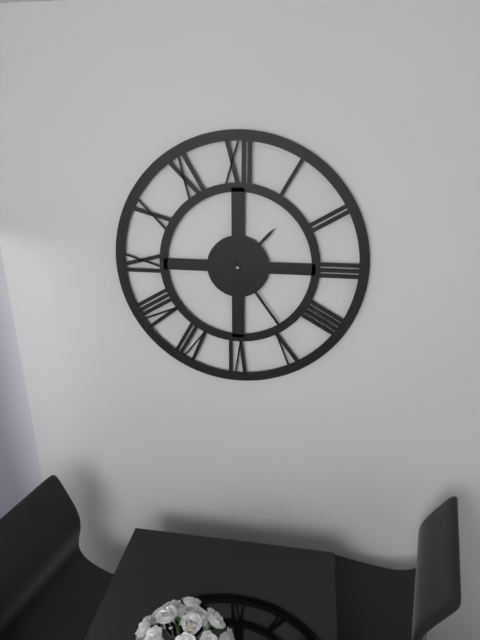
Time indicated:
1h24
